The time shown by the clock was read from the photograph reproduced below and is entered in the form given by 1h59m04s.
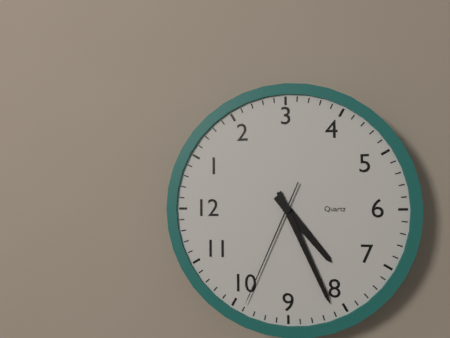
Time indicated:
7h41m49s
